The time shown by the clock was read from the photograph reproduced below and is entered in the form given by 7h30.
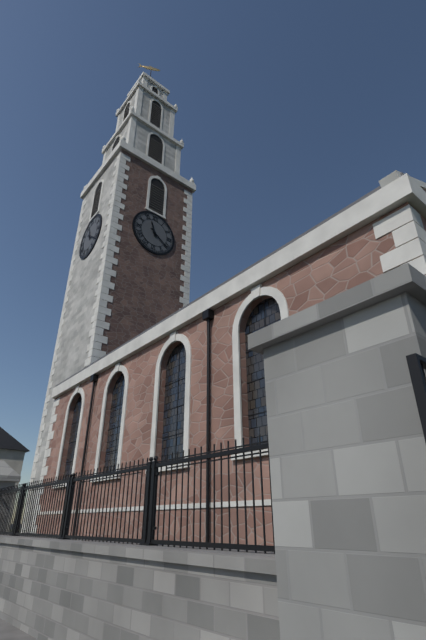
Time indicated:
11h21
